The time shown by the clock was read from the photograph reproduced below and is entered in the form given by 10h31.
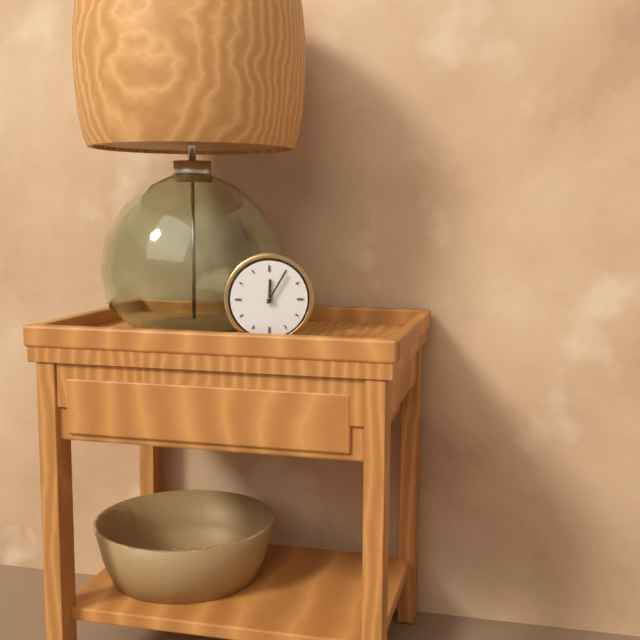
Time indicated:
12h05
